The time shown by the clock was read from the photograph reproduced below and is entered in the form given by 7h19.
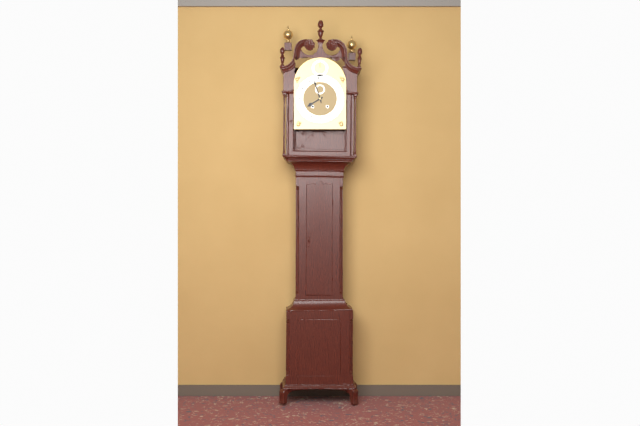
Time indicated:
7h57
